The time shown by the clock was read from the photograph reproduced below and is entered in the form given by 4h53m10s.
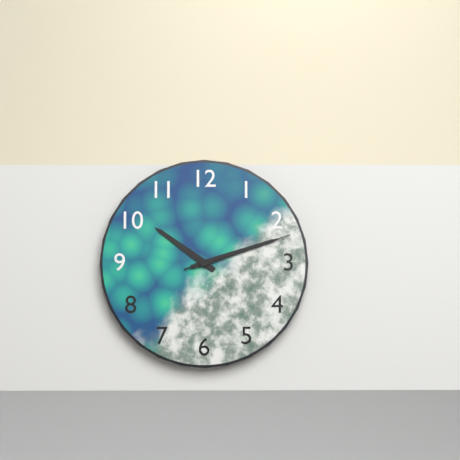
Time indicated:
10h12m12s
